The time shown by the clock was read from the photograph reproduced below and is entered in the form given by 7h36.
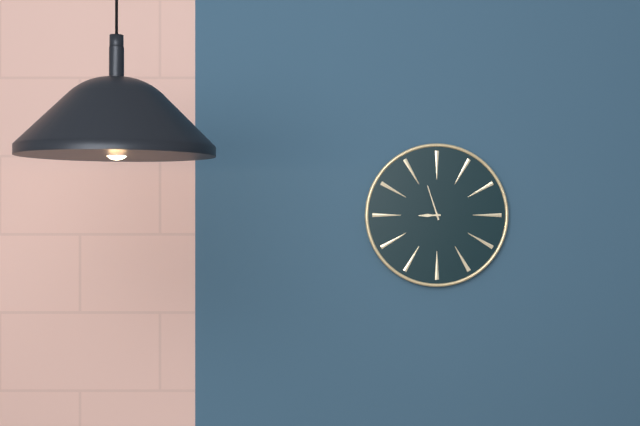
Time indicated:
8h57
